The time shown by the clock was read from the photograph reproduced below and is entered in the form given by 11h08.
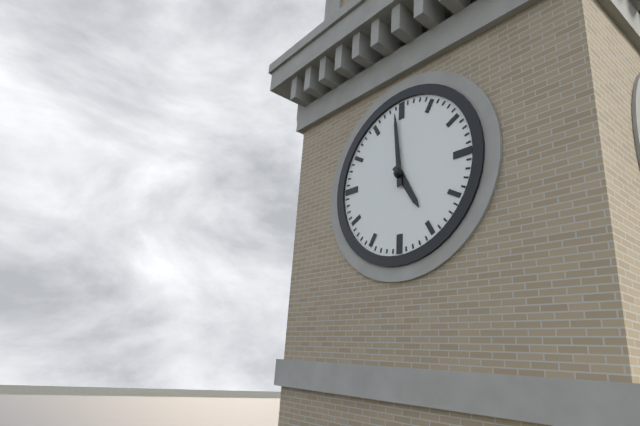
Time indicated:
4h59
